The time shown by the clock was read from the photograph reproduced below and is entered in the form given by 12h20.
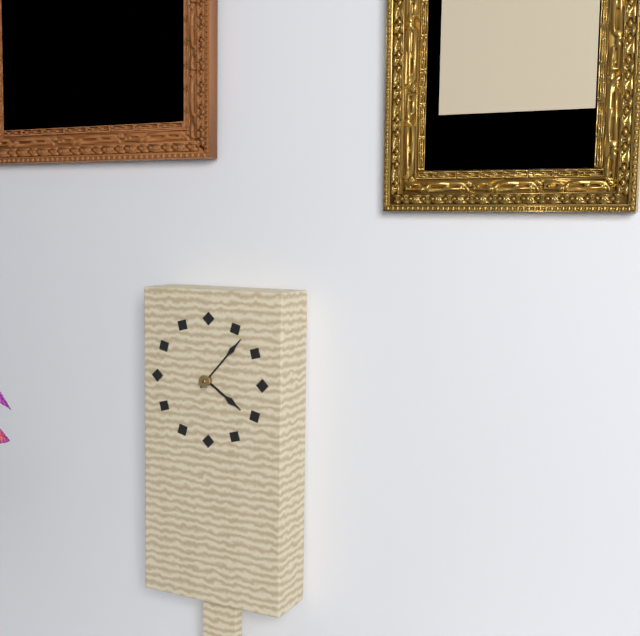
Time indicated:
4h07
